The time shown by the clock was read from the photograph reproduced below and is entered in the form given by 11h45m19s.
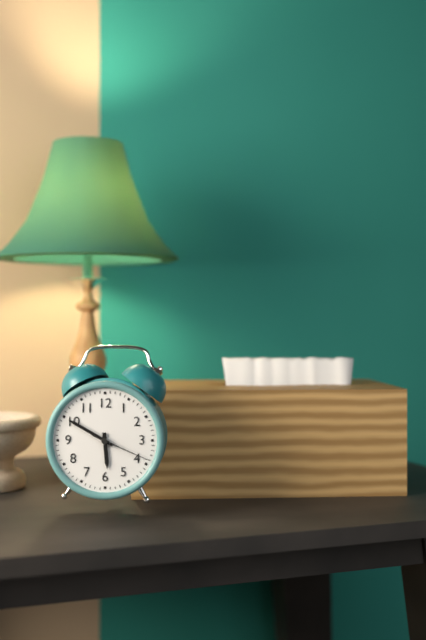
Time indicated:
5h50m19s
